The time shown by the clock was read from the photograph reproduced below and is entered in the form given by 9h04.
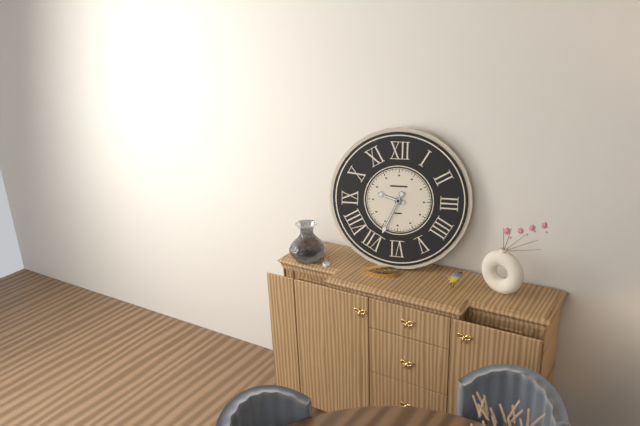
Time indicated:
9h34
